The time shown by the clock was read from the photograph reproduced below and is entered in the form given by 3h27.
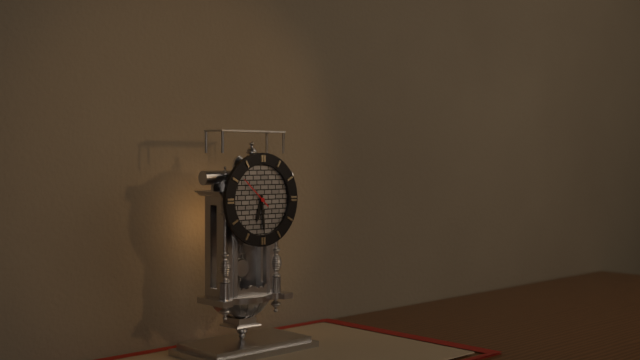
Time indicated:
6h29
